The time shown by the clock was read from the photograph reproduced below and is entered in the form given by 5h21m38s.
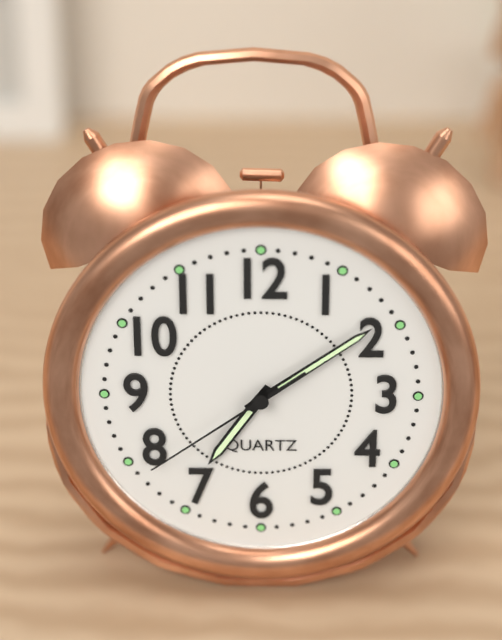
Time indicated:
7h09m39s
